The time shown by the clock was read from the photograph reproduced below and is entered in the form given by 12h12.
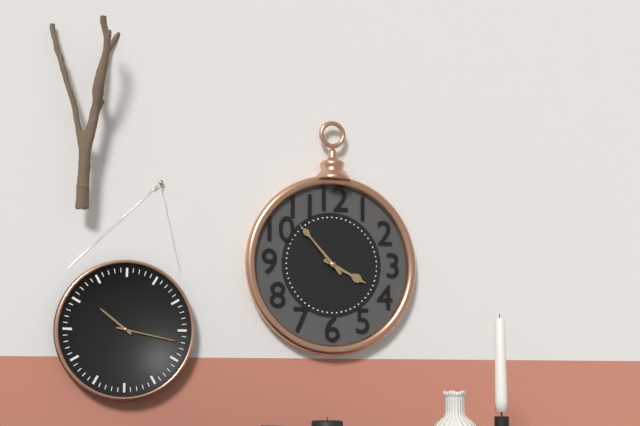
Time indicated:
3h53
